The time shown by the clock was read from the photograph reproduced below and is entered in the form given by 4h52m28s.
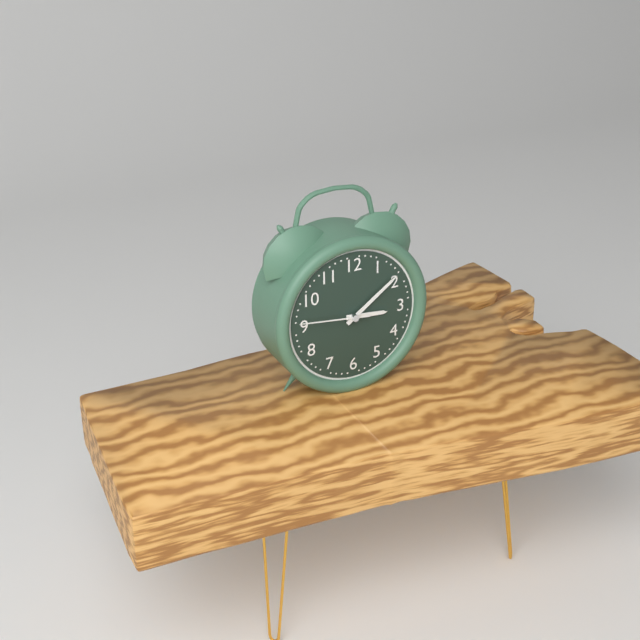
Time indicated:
3h09m46s
